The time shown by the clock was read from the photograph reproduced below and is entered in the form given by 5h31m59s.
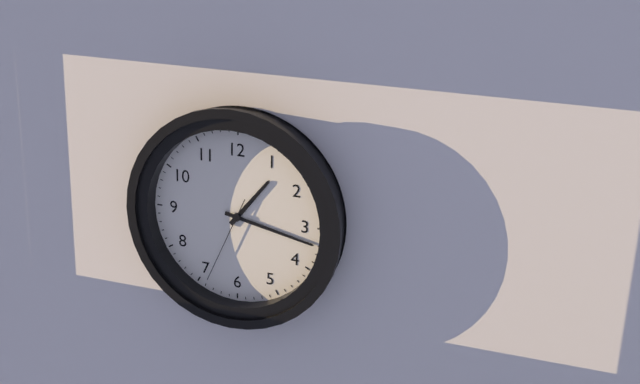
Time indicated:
1h17m34s
